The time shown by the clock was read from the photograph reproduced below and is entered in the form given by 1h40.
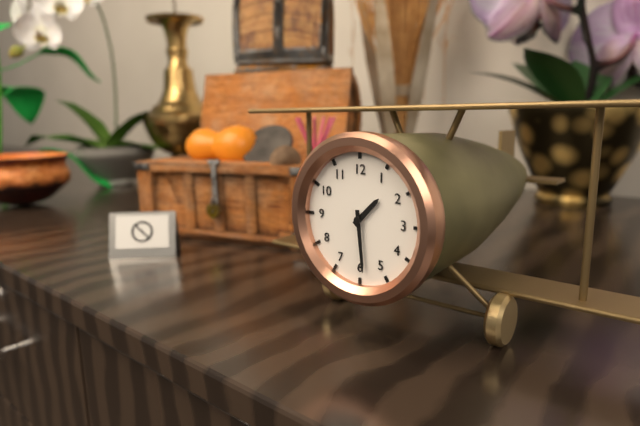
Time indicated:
1h29
